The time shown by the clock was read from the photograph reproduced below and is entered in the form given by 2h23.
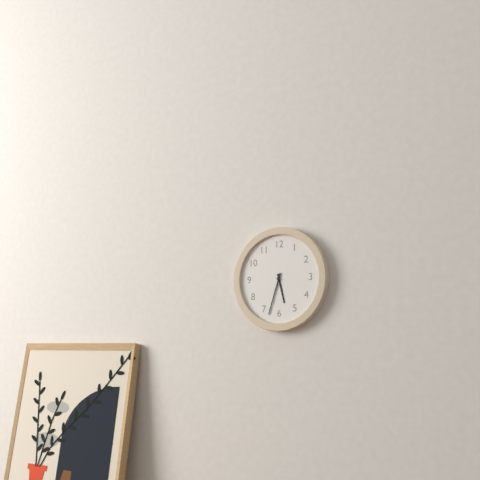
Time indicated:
5h33
